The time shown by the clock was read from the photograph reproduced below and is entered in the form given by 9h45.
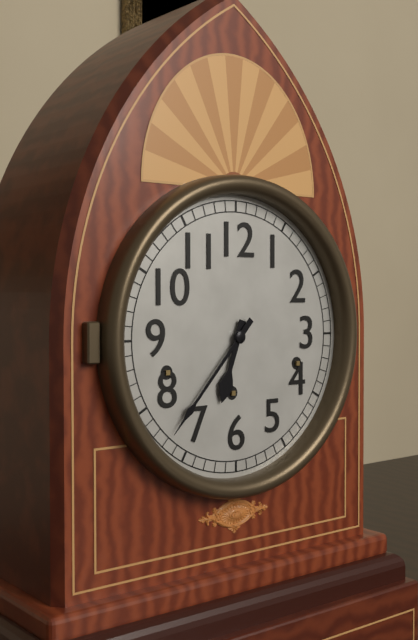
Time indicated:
6h37
